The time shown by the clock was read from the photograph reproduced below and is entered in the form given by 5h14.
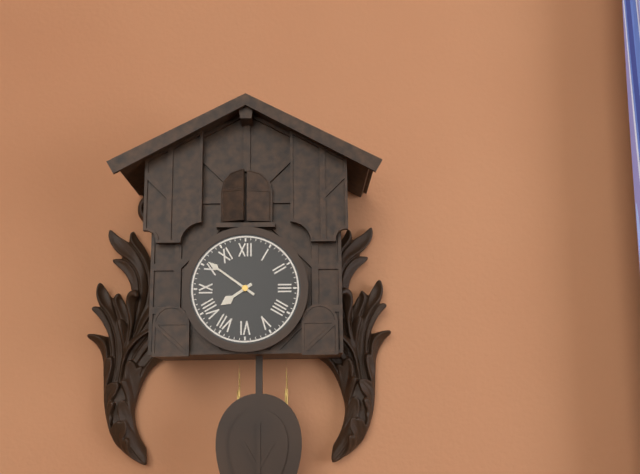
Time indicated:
7h51
